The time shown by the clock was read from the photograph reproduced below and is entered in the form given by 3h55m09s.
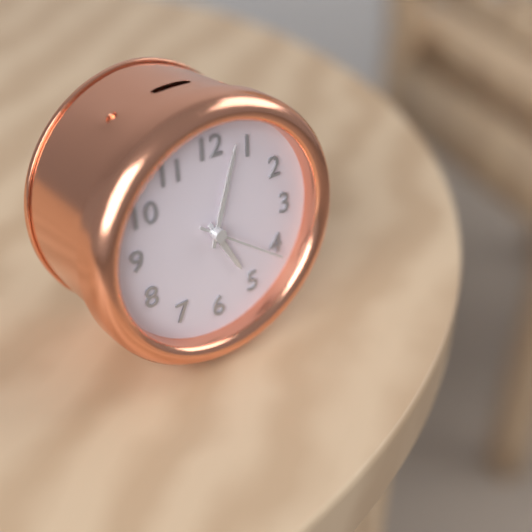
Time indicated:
5h03m21s
